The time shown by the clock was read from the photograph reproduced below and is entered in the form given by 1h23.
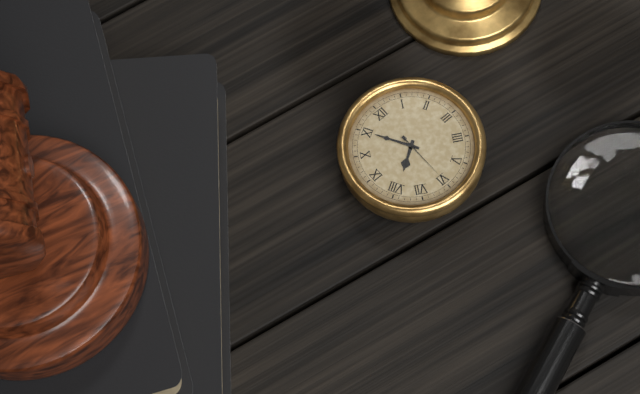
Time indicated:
7h55
